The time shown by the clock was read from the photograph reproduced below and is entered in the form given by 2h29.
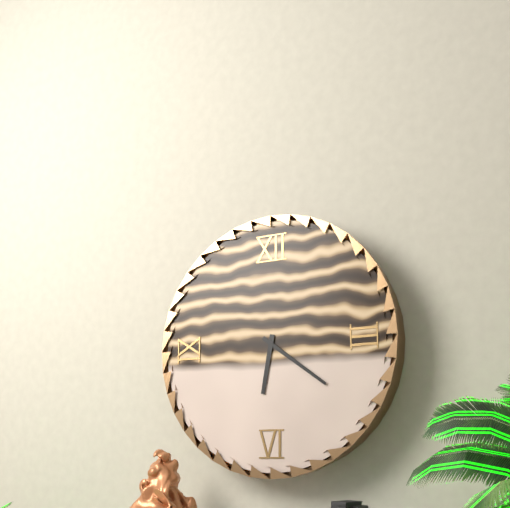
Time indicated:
6h21
